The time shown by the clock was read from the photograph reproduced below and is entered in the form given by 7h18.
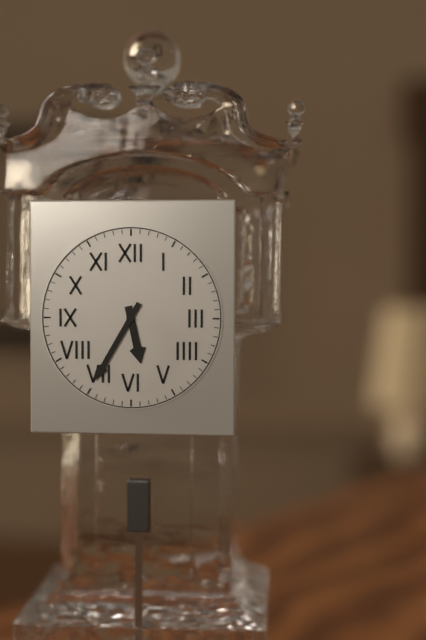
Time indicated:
5h35
